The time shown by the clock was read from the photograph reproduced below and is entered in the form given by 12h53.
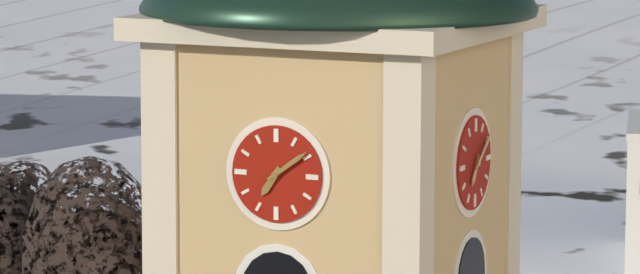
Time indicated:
7h09
